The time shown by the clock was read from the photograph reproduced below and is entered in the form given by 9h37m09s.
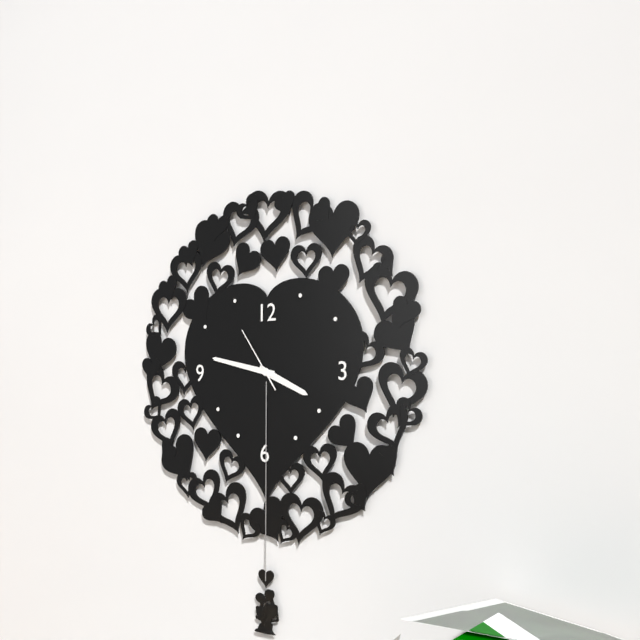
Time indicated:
3h47m54s
